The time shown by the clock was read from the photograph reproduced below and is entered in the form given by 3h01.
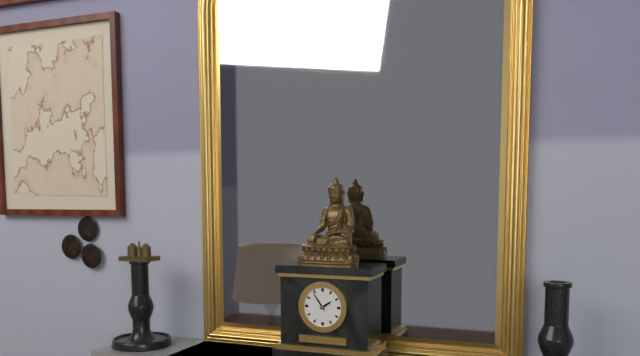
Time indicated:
1h54
